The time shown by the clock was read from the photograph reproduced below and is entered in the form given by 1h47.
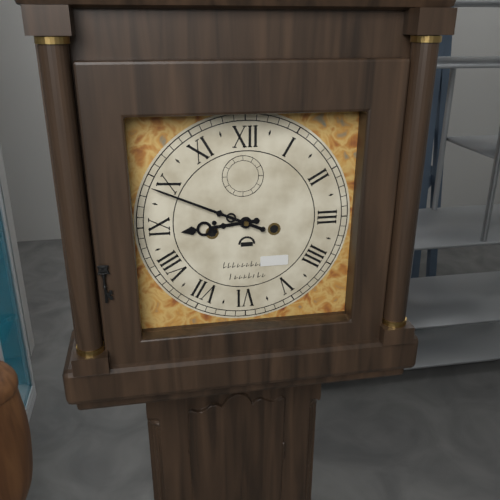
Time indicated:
8h49
